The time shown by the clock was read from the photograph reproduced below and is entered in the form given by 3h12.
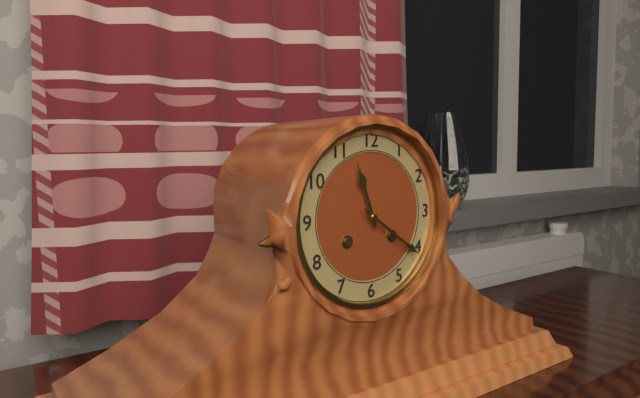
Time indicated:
11h21
